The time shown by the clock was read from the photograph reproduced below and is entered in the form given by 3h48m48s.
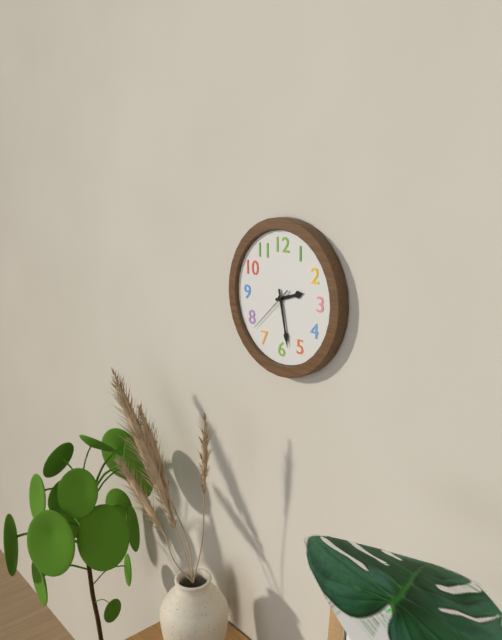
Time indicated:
2h28m38s
